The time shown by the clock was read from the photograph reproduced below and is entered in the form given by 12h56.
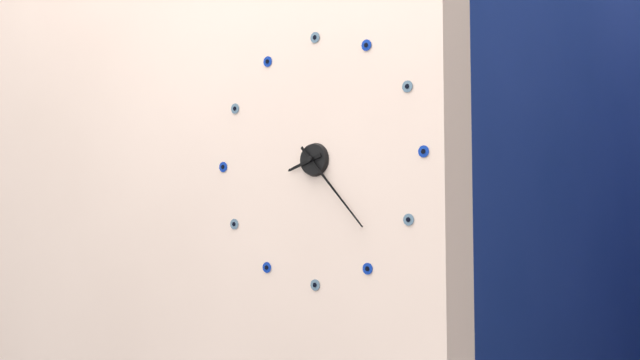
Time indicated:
8h23
